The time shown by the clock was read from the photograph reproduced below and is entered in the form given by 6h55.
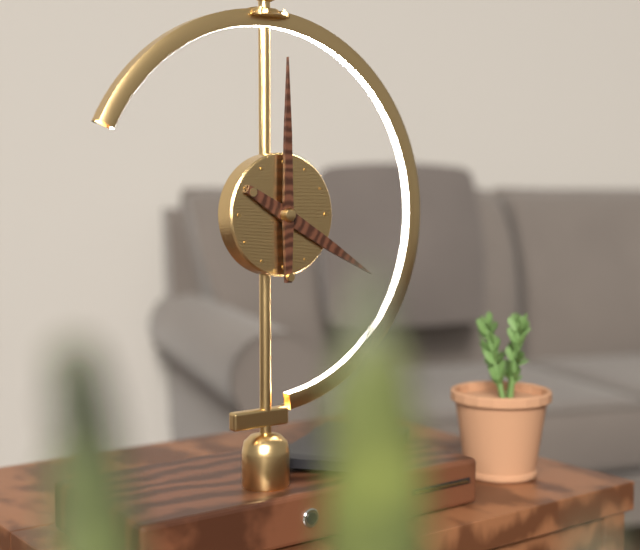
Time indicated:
4h00
